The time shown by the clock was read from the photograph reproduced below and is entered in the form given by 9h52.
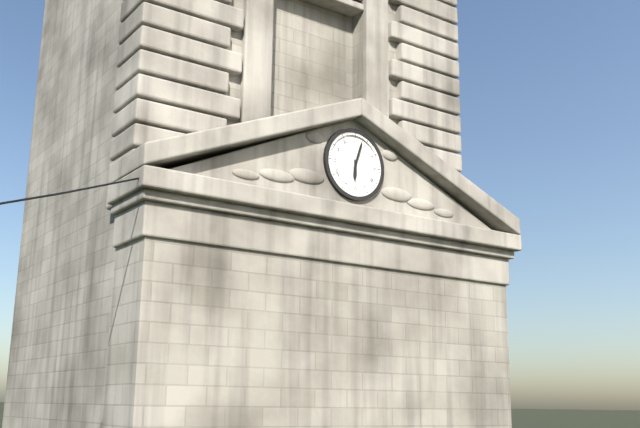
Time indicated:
6h03
